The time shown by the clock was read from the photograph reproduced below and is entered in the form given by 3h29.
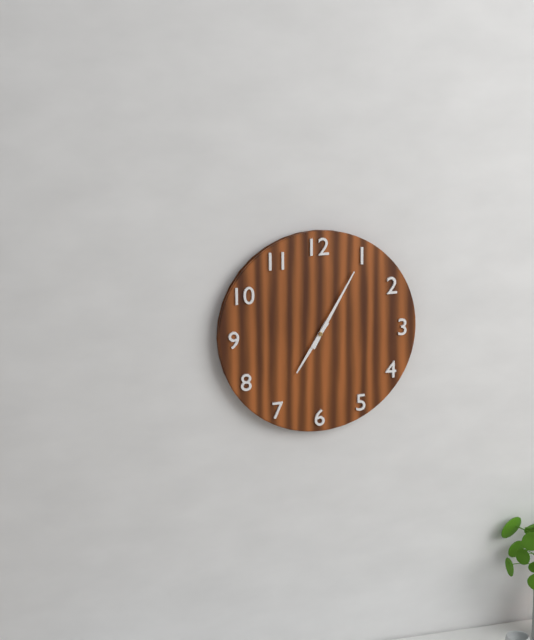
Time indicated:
7h05
